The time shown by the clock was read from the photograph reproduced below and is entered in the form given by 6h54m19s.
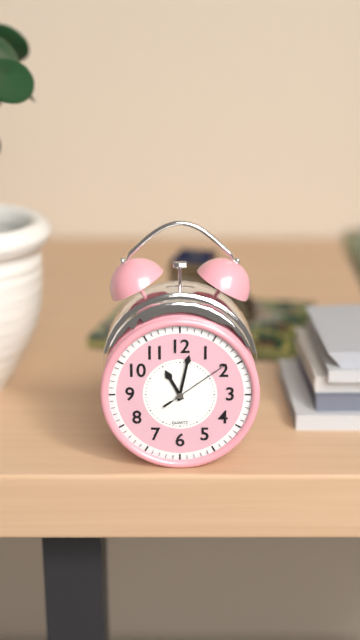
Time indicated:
11h02m09s
